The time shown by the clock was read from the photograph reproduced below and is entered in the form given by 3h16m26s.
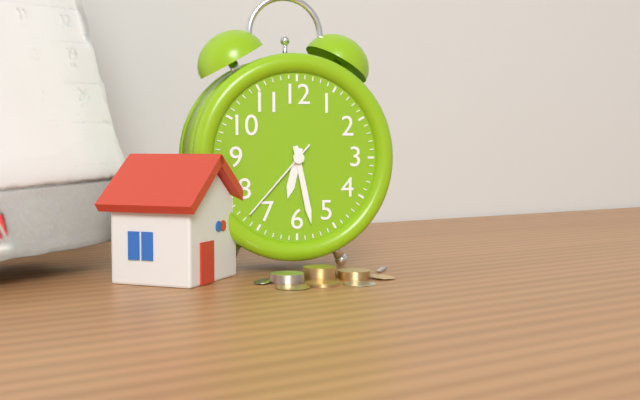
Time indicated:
6h28m37s
